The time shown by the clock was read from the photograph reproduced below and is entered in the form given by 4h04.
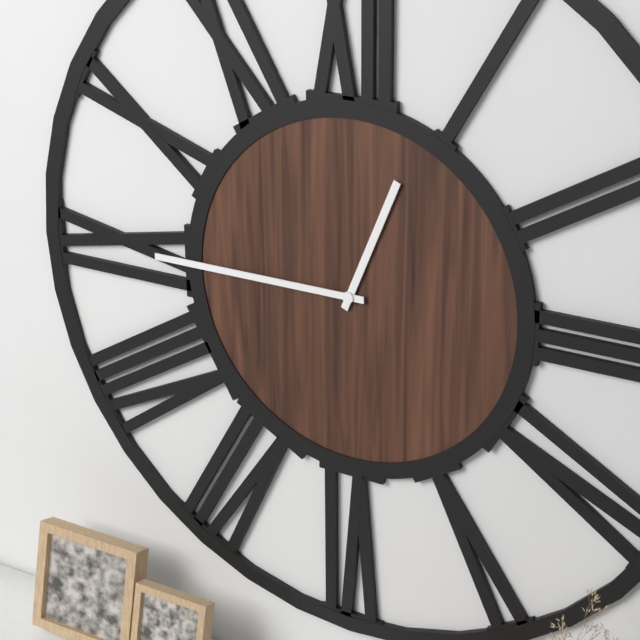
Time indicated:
12h45
